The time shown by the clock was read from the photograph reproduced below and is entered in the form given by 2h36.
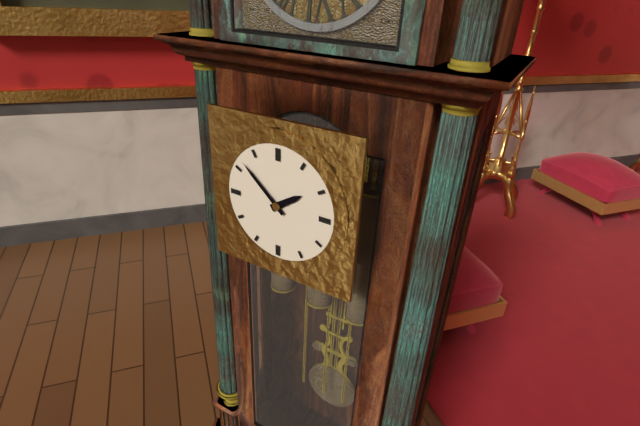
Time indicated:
1h52
